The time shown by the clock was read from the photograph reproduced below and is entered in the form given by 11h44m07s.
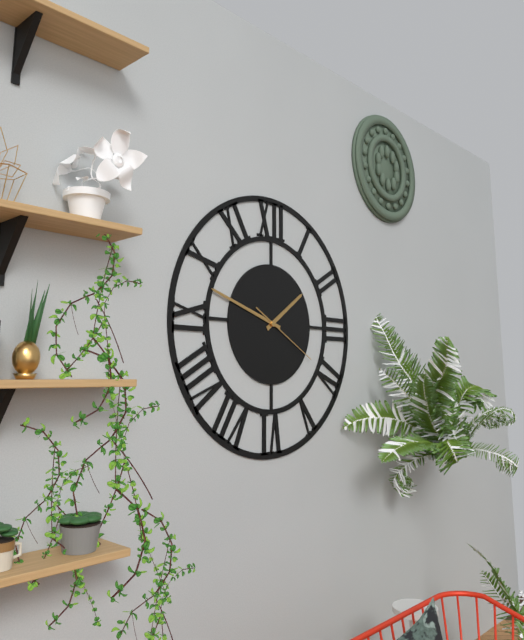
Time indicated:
1h48m20s
